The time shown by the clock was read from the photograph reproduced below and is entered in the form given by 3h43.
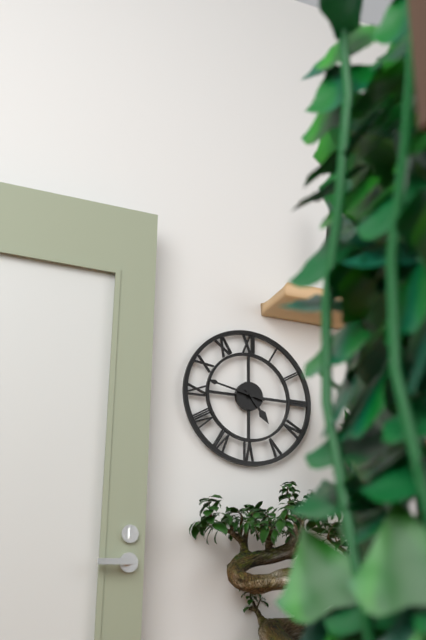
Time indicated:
4h47
